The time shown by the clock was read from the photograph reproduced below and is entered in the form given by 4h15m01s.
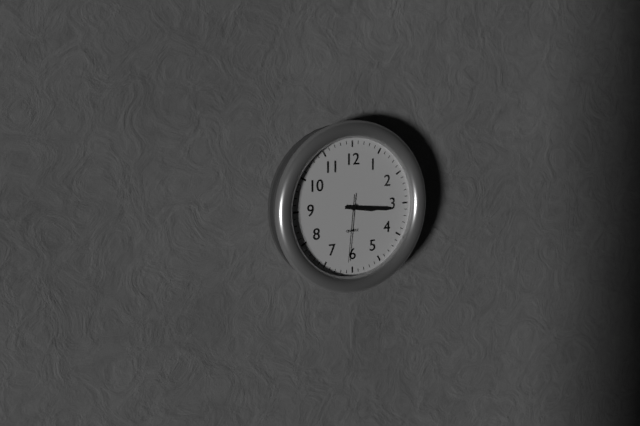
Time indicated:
3h16m31s
